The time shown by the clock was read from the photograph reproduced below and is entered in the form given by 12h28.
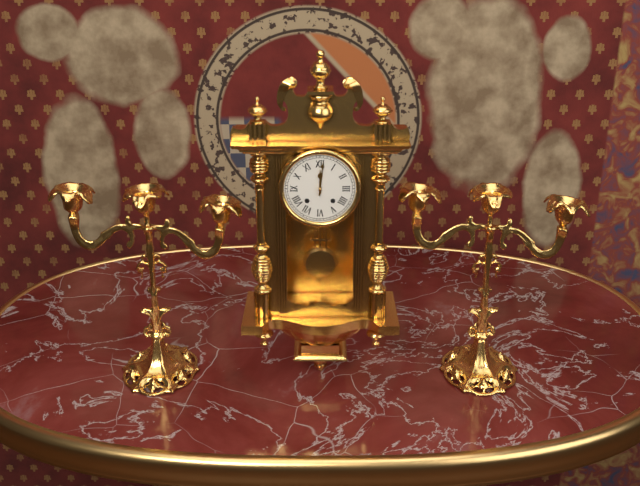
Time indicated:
12h01
